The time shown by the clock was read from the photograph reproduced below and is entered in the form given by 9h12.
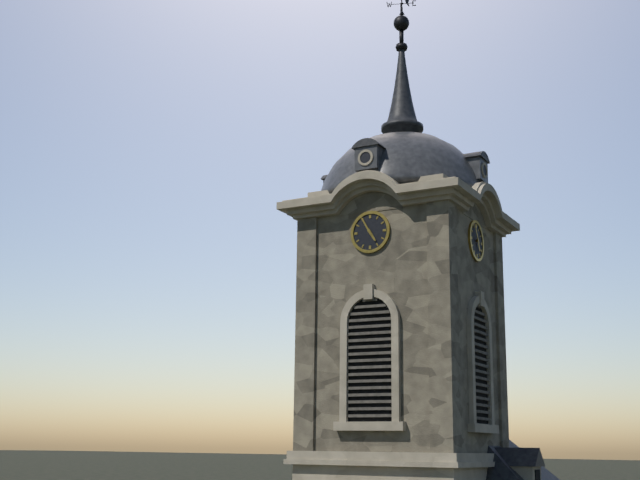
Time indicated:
4h55
